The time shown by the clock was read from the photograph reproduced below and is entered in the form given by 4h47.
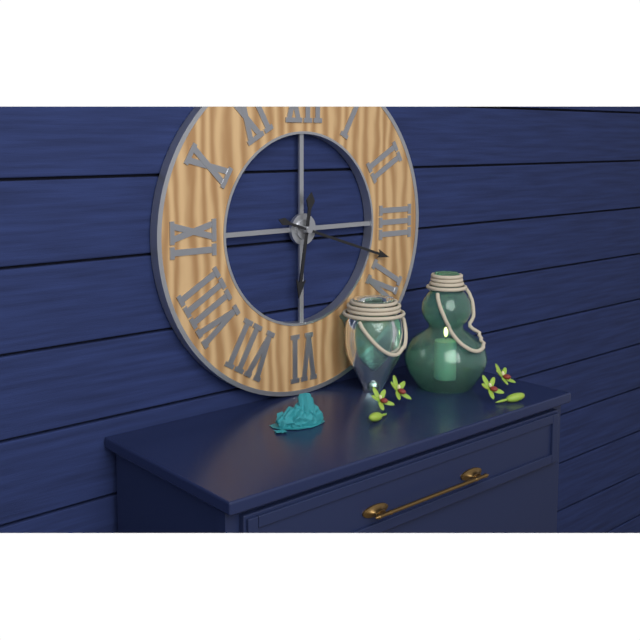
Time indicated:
6h18
